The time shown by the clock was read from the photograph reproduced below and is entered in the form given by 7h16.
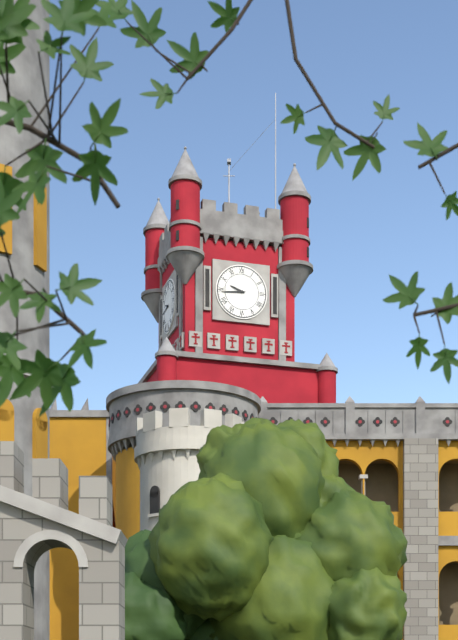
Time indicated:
9h44
